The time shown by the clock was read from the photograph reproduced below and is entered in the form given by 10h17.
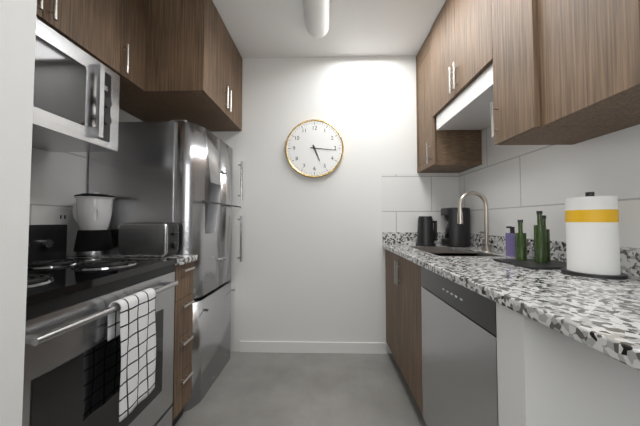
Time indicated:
5h16
